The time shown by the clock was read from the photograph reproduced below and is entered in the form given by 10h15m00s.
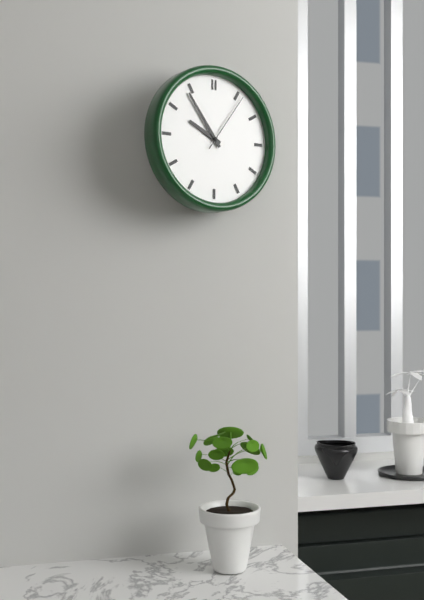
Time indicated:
9h54m06s
